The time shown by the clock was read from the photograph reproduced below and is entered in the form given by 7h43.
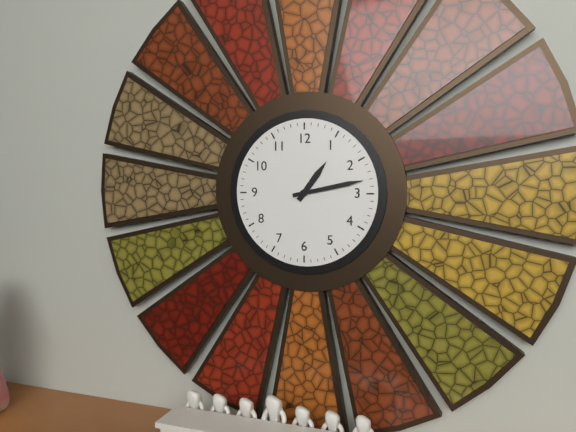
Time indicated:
1h13
